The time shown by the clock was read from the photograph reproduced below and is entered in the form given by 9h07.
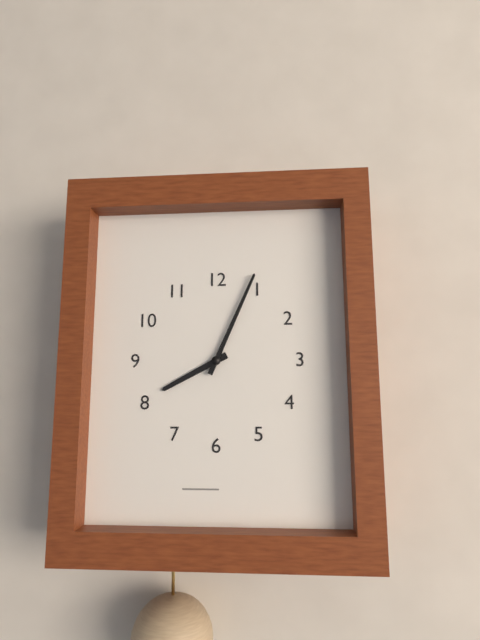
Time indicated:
8h04
